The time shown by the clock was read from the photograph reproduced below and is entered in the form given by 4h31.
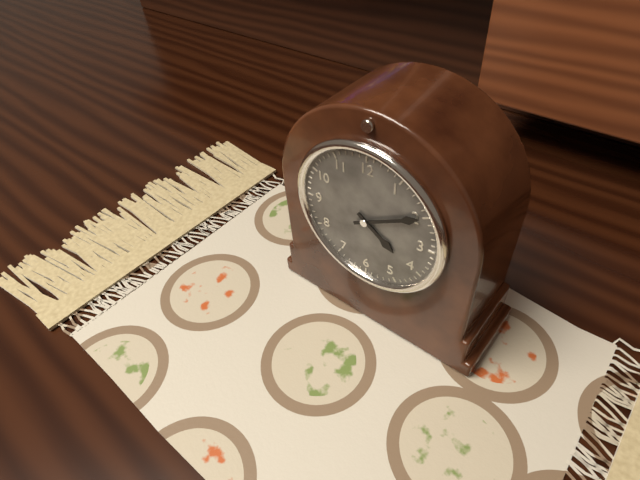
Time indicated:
4h10
